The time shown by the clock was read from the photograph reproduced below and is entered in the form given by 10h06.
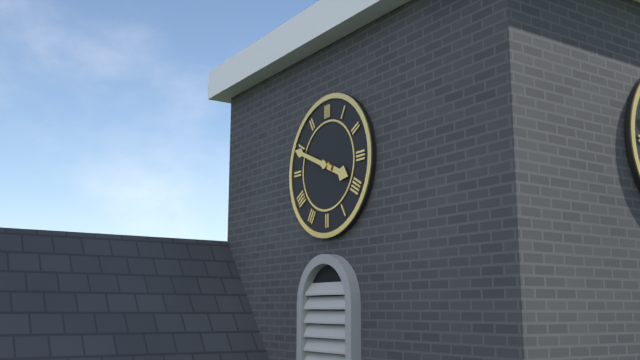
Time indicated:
3h49
